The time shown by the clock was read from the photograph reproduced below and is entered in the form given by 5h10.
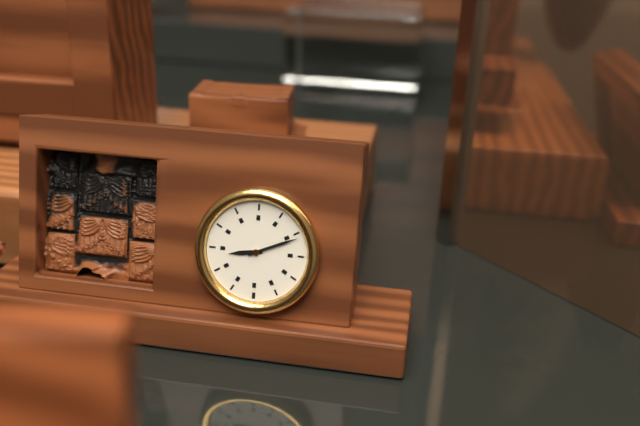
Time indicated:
2h41
